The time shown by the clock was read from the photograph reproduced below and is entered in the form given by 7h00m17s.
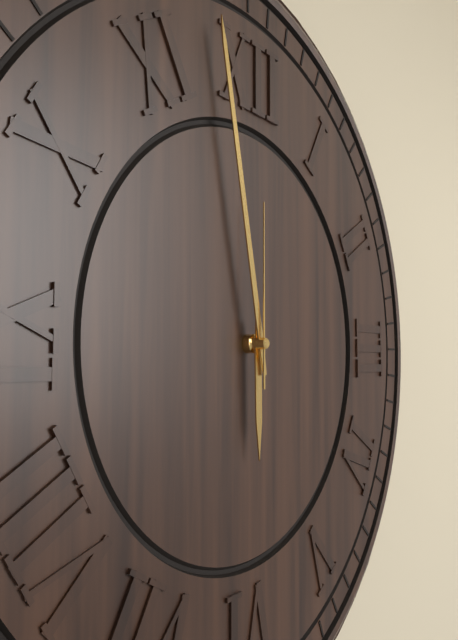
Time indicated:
5h58m00s
